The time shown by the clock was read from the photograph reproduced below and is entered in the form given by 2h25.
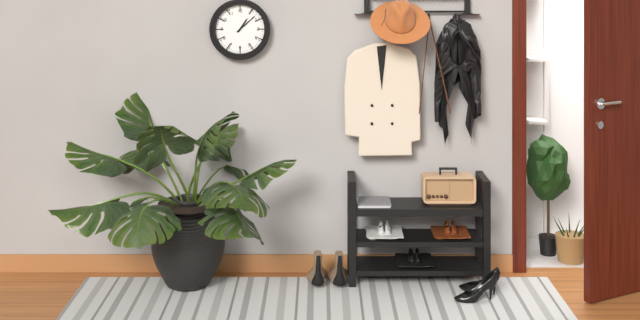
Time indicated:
1h08
